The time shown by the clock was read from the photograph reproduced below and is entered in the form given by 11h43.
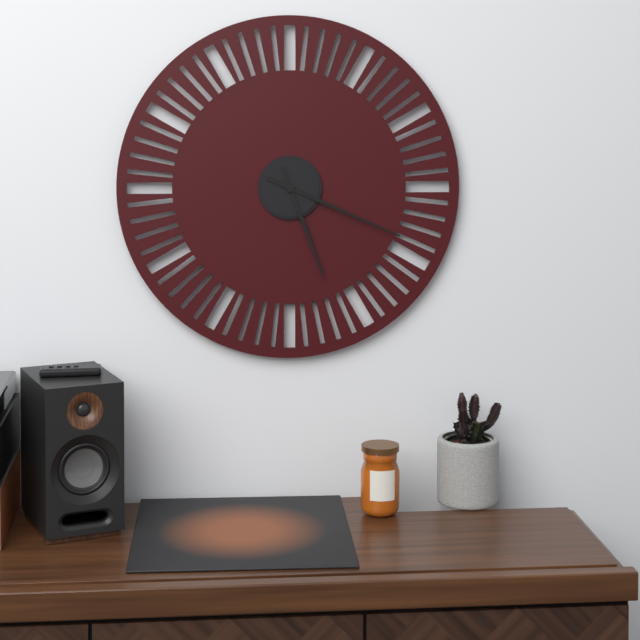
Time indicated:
5h19
